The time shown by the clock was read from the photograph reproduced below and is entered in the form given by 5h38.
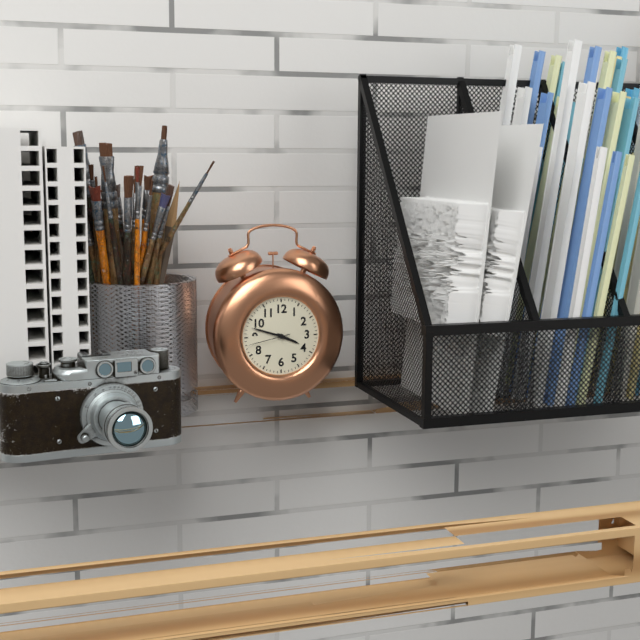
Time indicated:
3h48
